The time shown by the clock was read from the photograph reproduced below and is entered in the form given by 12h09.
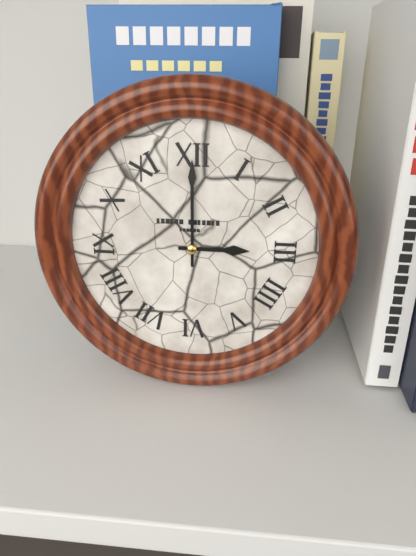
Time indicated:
3h00
